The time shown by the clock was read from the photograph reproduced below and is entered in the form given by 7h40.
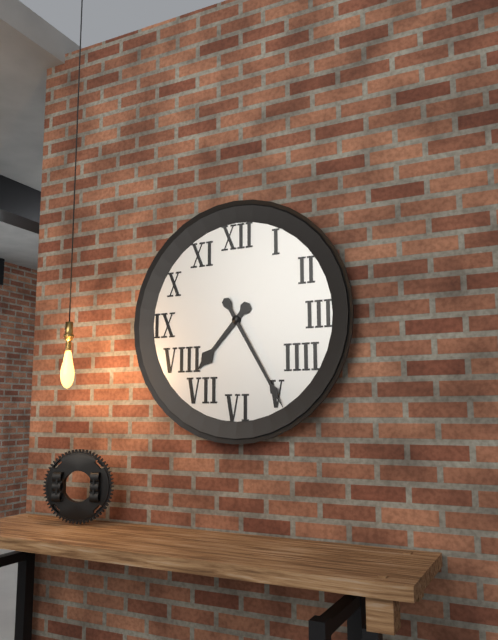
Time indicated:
7h25
